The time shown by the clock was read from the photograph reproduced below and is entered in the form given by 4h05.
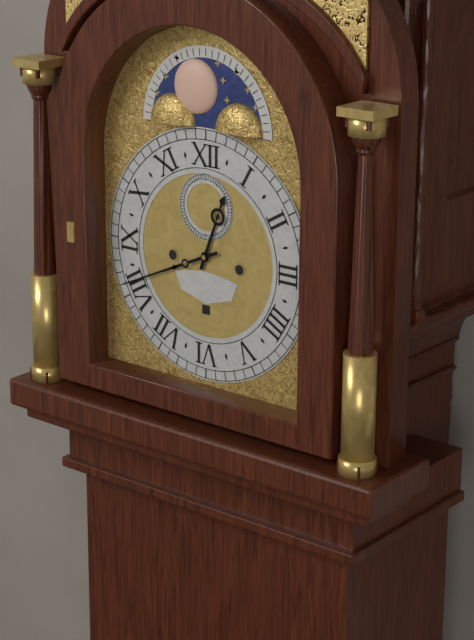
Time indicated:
12h41
